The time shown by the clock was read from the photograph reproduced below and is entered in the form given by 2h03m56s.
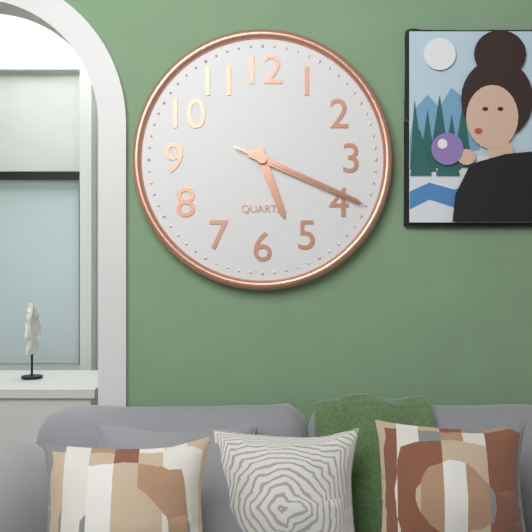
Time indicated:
5h19m19s
